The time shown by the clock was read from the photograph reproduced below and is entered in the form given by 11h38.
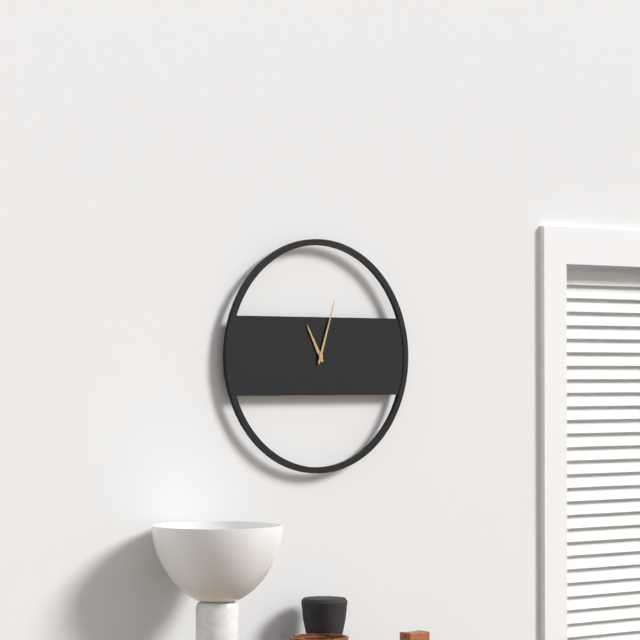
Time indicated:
11h03
